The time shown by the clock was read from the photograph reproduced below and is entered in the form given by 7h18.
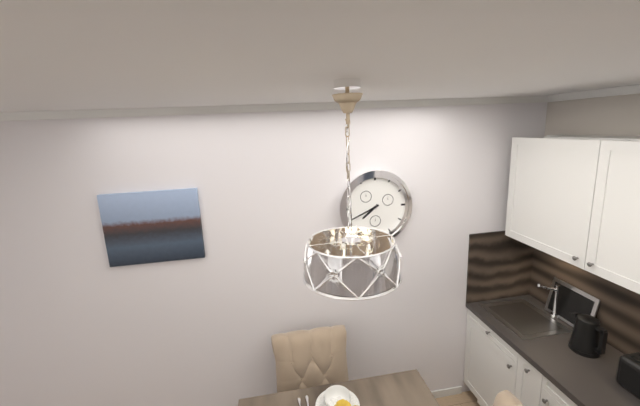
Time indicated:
7h41
